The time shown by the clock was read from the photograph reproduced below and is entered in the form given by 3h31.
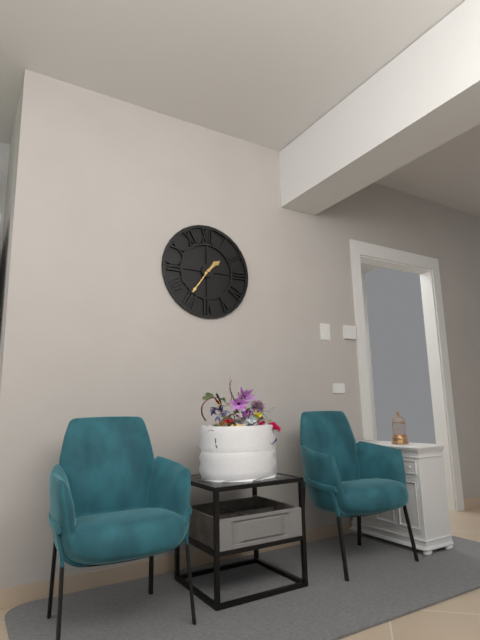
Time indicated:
1h36
